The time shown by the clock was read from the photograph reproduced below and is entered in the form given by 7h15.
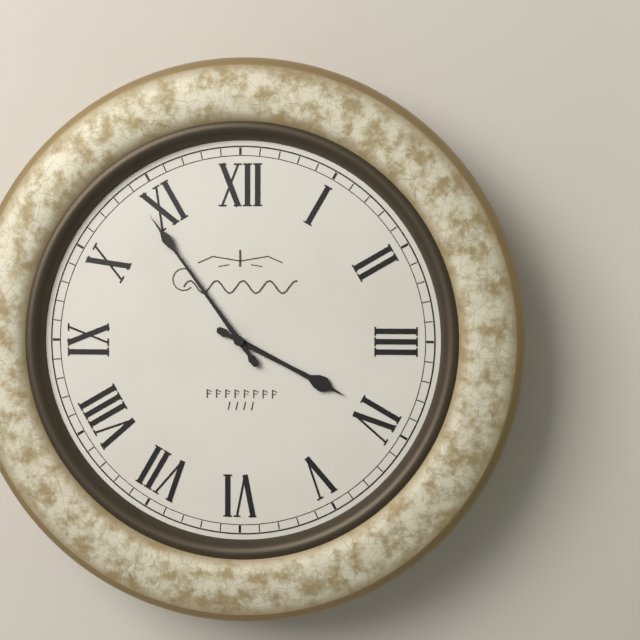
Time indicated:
3h54
